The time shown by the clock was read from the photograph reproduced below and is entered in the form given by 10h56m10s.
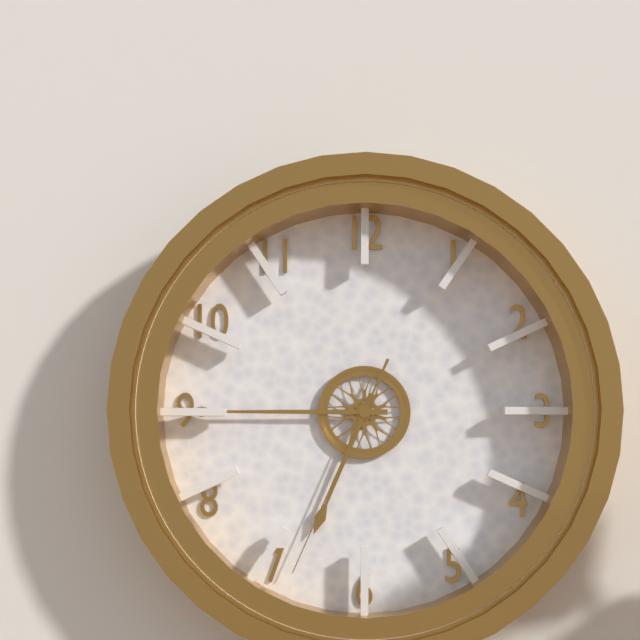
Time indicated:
6h45m34s
